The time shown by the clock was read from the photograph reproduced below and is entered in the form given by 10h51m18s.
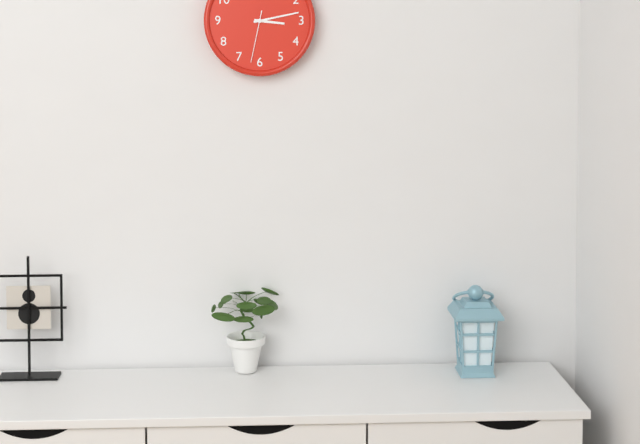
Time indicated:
3h13m32s
